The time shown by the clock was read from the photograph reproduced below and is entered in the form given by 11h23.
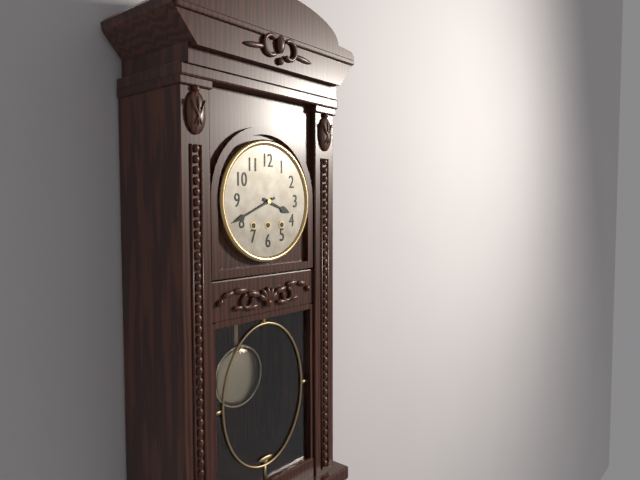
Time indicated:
3h41
